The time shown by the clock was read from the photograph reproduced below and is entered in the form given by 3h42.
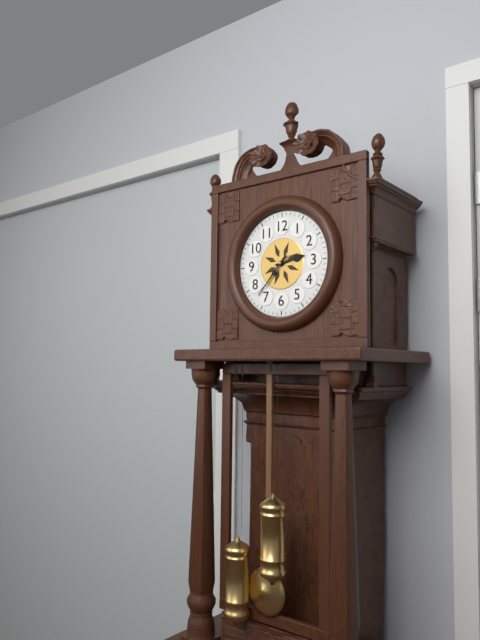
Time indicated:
2h37
